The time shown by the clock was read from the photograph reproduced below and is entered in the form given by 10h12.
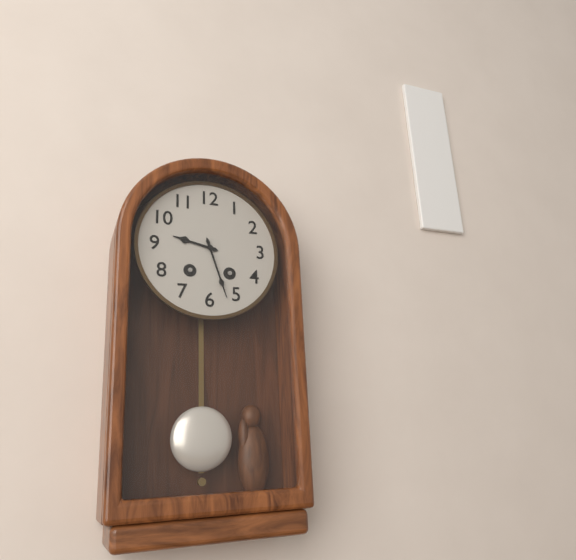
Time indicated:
9h27
